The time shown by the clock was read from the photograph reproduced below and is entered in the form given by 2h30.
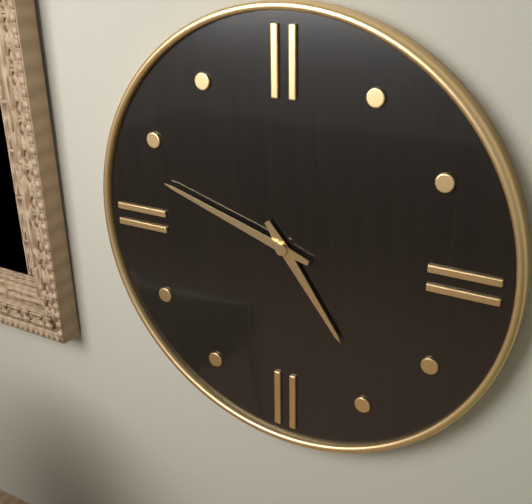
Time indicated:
4h48
